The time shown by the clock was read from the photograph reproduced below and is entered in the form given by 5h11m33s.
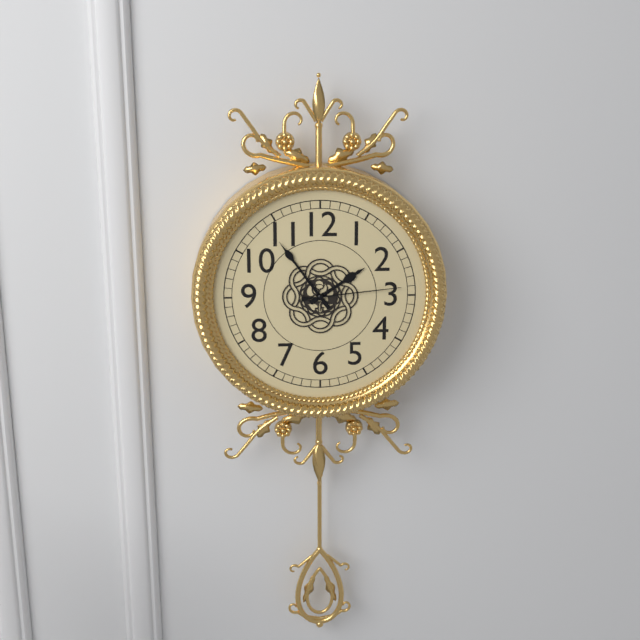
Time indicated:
1h54m14s
